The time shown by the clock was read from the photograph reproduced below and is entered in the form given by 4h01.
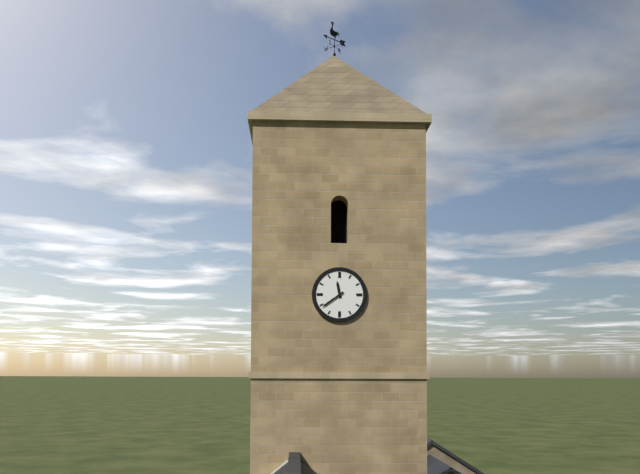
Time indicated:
11h39
